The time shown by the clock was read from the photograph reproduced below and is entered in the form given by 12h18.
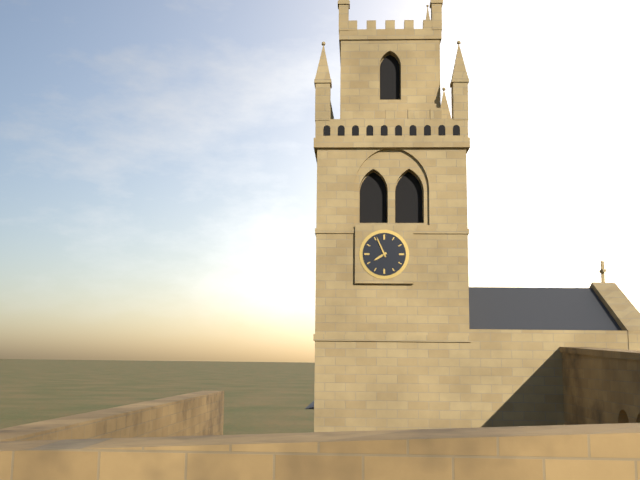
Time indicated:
7h56
